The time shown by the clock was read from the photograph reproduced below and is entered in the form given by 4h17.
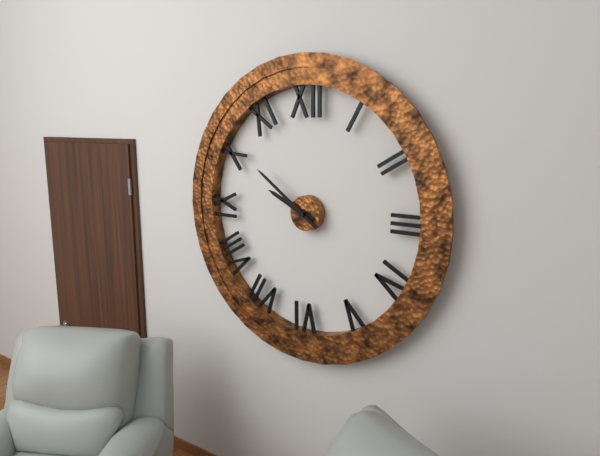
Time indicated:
9h51
